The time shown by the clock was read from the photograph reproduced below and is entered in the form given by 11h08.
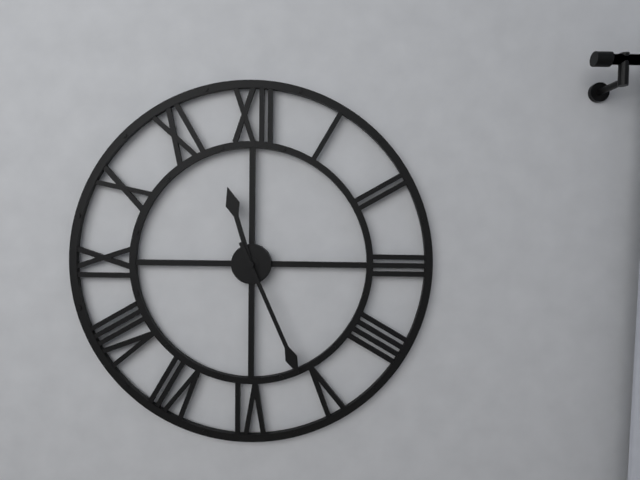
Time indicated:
11h26
